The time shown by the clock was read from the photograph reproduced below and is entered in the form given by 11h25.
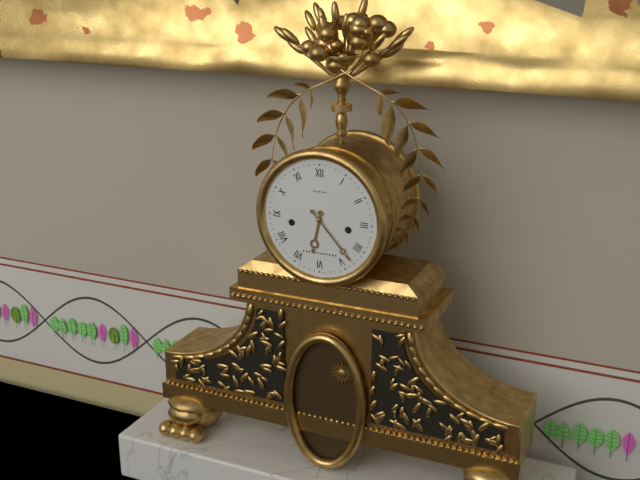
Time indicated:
6h23
